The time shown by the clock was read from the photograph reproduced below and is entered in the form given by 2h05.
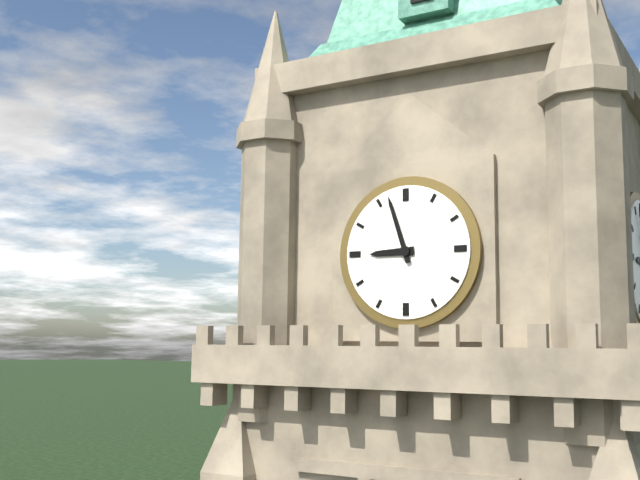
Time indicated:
8h57
